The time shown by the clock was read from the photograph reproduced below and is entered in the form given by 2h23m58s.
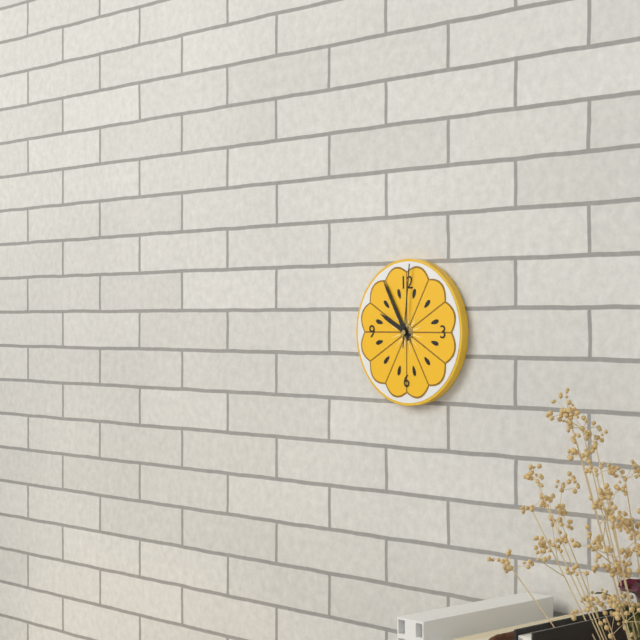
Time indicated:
9h55m01s
